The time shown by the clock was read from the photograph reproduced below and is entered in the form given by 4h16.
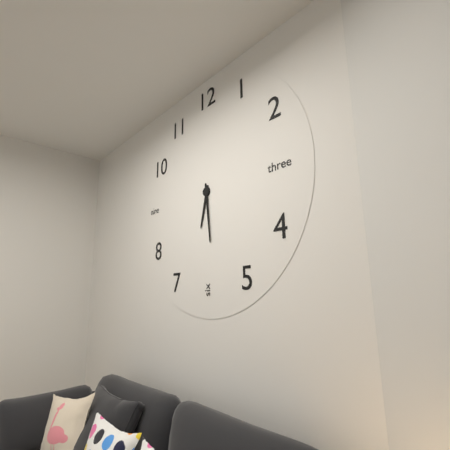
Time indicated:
6h29
